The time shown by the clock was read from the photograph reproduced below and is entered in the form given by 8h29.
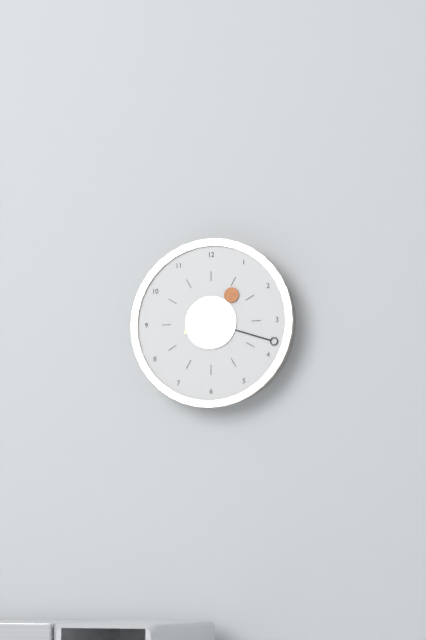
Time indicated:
1h18
